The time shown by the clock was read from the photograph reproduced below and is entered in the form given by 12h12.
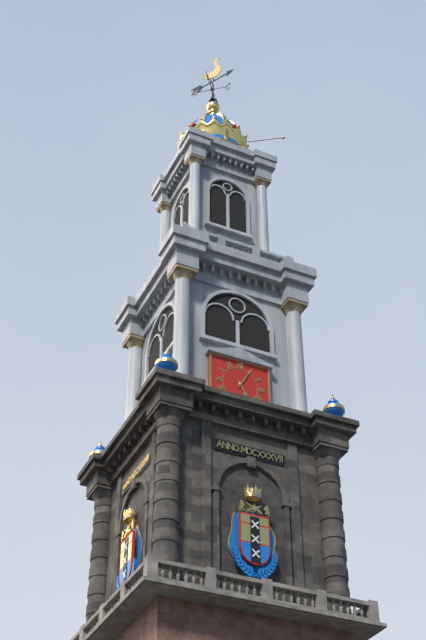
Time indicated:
5h05
